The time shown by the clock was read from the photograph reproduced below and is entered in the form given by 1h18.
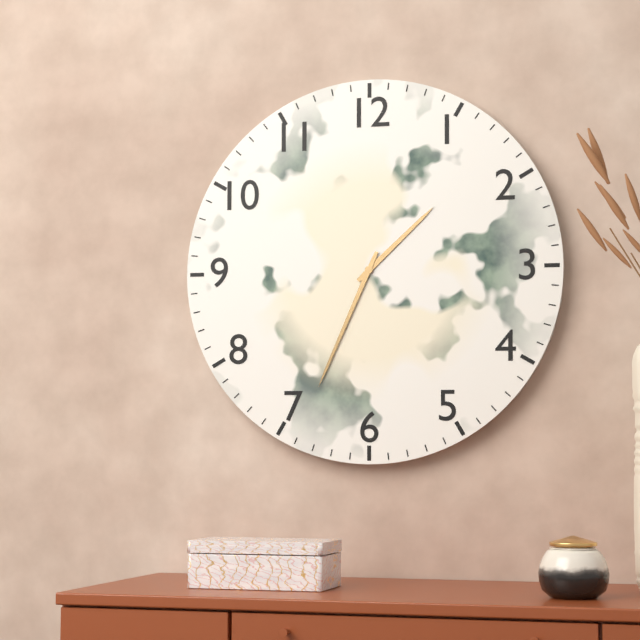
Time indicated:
1h34
